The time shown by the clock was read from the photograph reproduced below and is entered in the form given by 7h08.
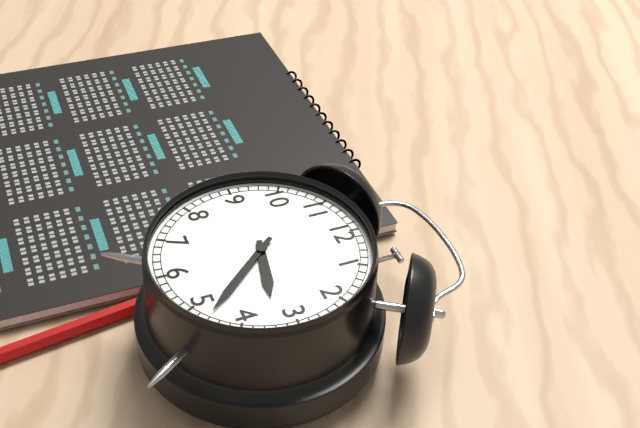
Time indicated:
3h23
